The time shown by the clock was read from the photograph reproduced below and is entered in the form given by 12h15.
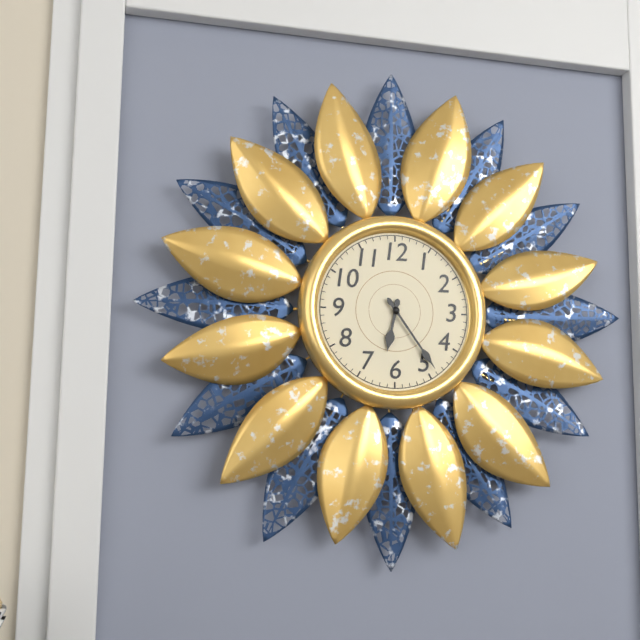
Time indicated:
6h24
